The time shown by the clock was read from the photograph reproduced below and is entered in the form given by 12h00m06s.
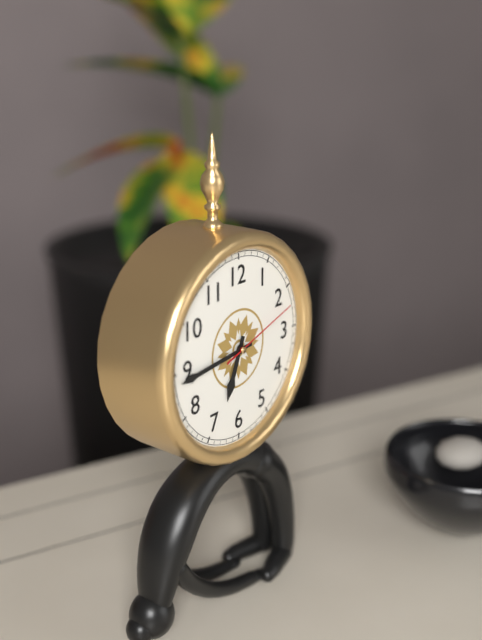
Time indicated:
6h44m12s
